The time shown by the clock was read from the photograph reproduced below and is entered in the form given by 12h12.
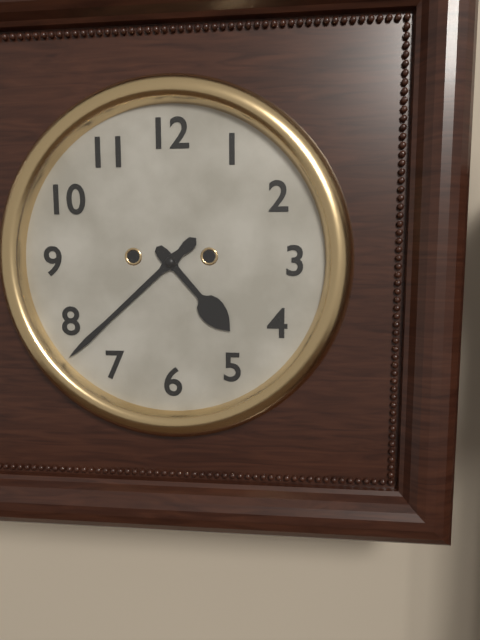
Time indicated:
4h38
